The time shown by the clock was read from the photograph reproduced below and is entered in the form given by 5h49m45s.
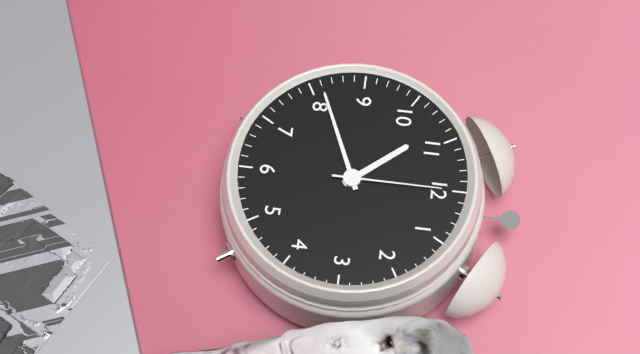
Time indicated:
10h41m00s
